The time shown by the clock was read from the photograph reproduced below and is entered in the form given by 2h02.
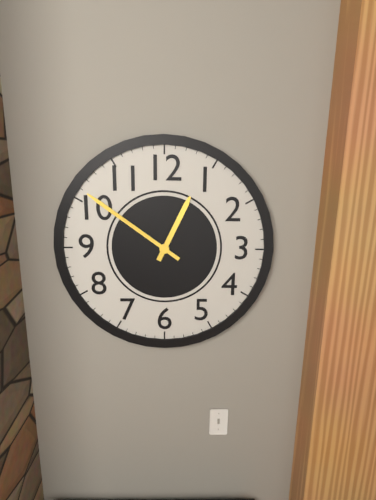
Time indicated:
12h51
